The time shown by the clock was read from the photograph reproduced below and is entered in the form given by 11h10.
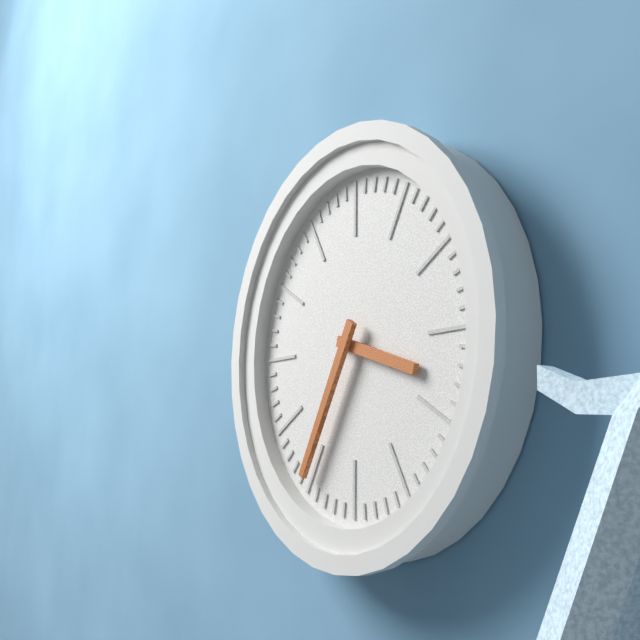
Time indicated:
3h35
